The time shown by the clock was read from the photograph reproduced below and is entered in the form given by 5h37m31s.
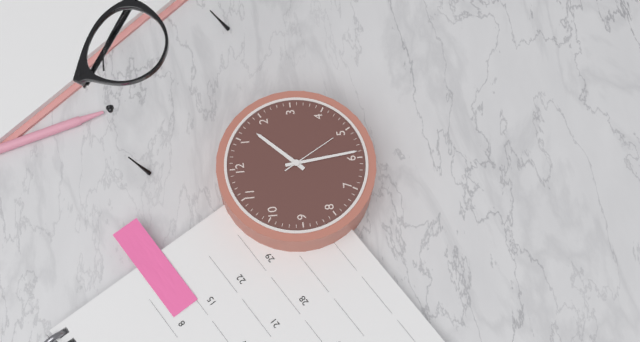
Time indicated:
1h29m25s
